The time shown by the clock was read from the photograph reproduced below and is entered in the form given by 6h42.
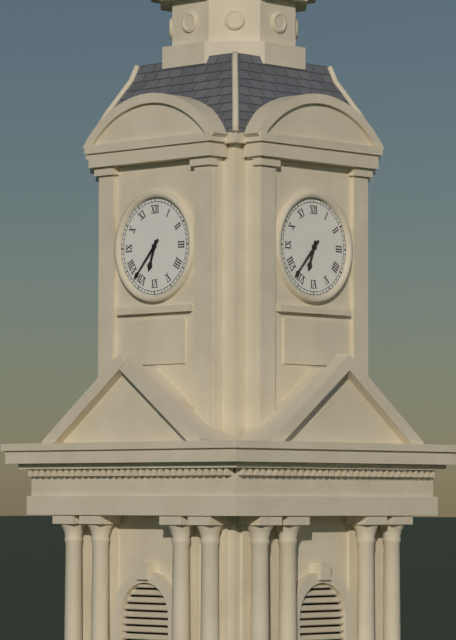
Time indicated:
6h37
